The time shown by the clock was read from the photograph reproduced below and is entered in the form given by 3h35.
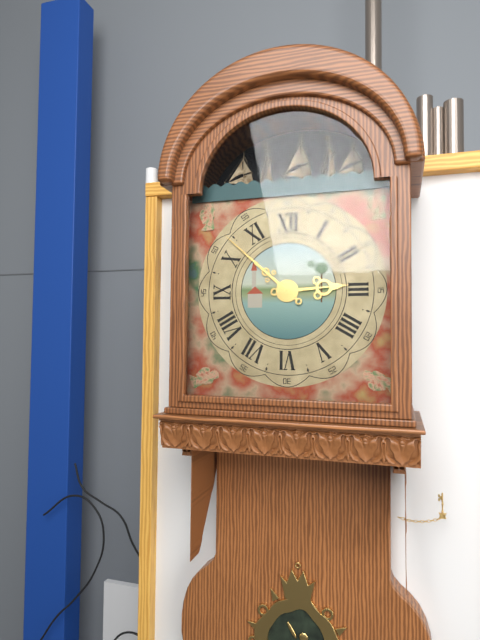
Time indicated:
2h52
